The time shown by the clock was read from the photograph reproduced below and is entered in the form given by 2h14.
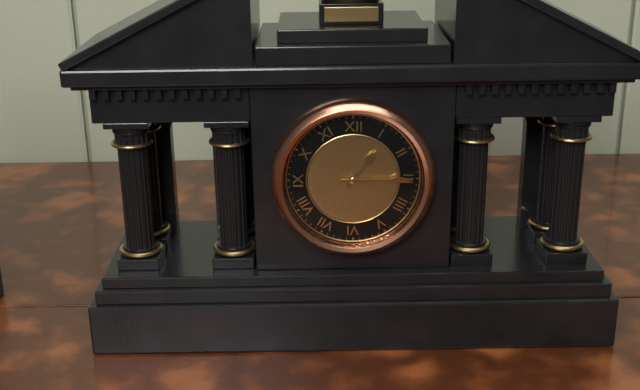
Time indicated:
1h15
